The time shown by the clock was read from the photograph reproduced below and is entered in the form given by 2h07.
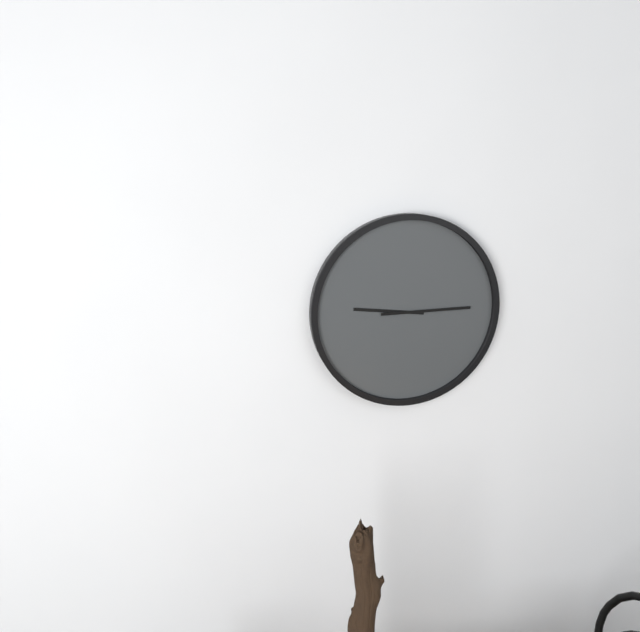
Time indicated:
9h15
